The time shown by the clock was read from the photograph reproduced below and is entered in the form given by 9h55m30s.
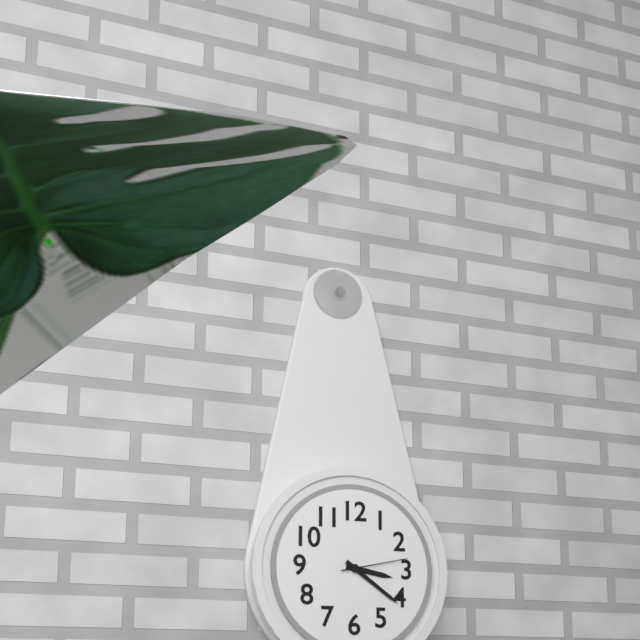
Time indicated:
3h21m13s
